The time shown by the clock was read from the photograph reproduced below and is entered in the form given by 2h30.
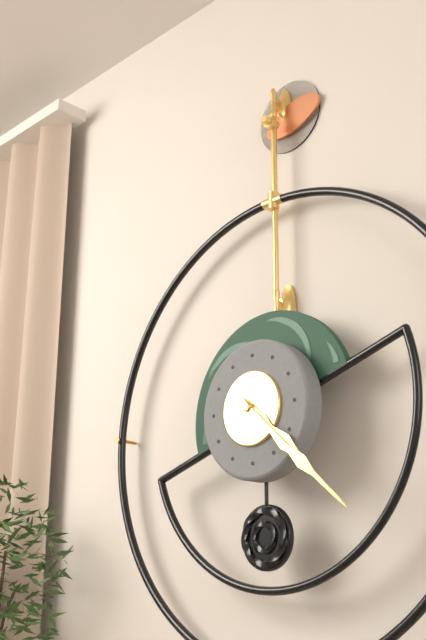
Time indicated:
4h22
